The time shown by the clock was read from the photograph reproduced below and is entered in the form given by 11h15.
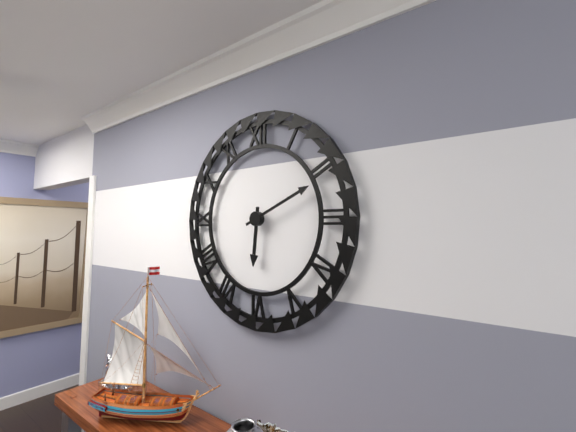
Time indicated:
6h11
